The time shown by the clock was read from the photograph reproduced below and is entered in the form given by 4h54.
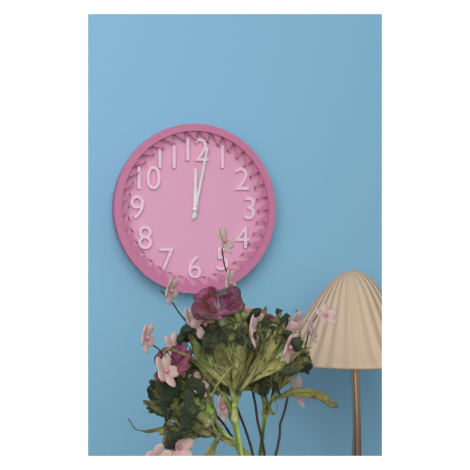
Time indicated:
12h02
